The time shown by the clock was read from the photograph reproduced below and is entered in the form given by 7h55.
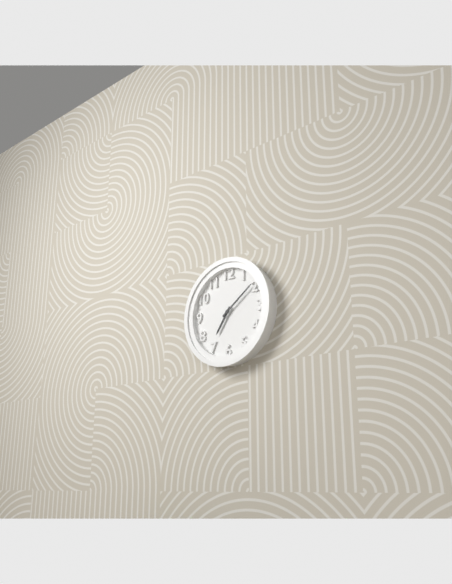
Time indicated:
7h09
